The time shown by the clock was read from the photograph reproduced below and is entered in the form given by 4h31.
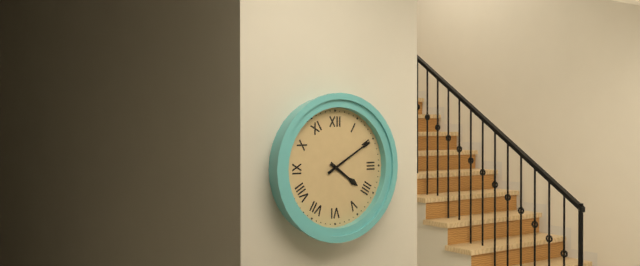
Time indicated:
4h10
